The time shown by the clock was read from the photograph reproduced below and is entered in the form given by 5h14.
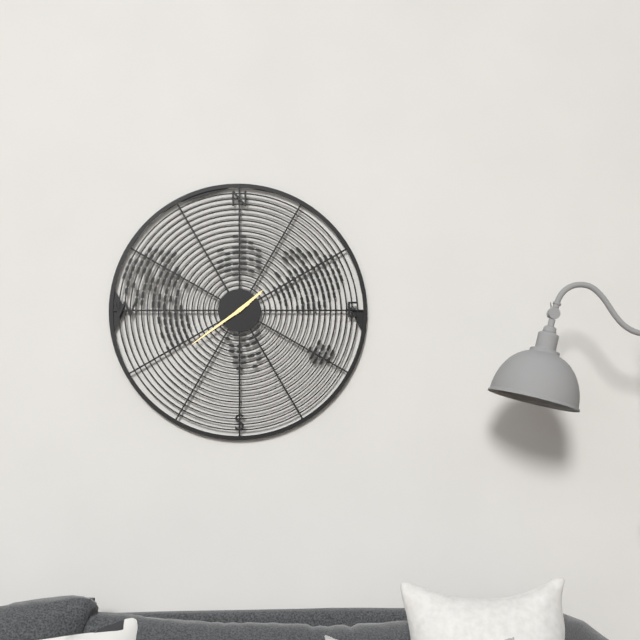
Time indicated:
1h39
